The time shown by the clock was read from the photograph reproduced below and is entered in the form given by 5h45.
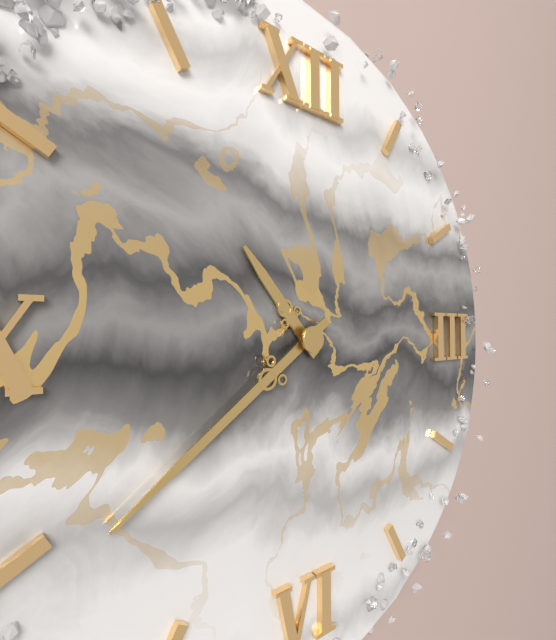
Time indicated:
10h39
